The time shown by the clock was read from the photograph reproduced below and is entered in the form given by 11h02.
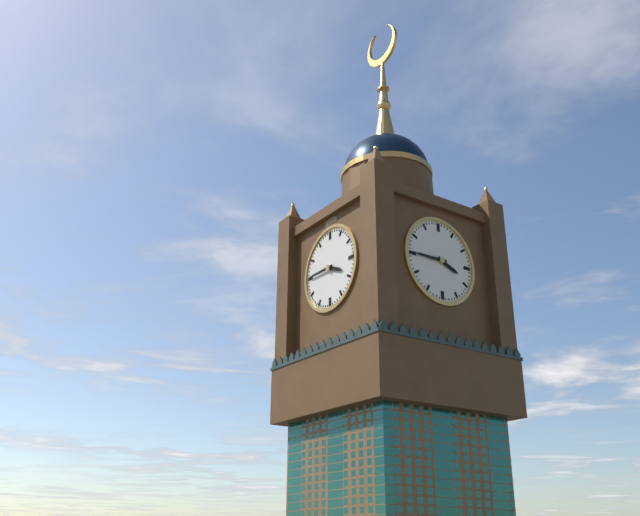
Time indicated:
3h45
